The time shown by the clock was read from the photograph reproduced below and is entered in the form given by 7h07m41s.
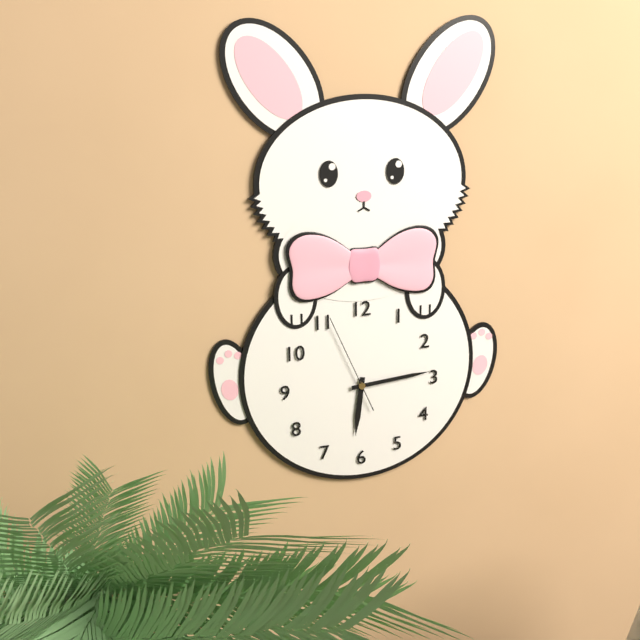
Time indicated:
6h14m56s
